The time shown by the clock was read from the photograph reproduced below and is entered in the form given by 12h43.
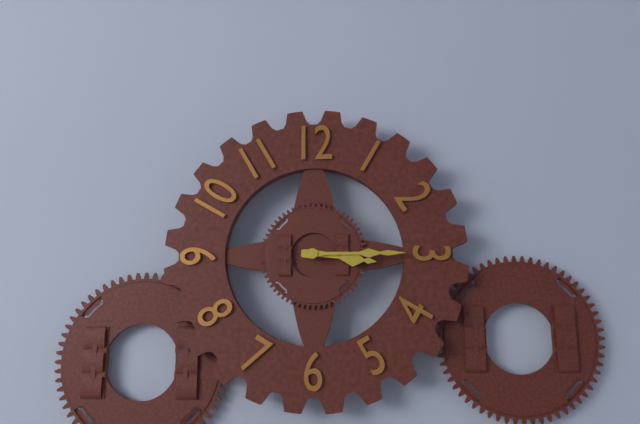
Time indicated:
3h15
